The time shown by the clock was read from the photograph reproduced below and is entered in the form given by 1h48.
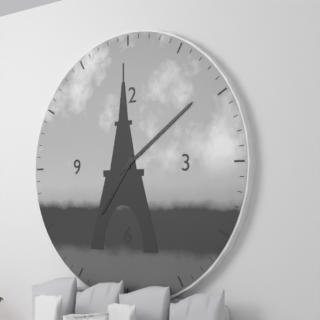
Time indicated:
7h09
